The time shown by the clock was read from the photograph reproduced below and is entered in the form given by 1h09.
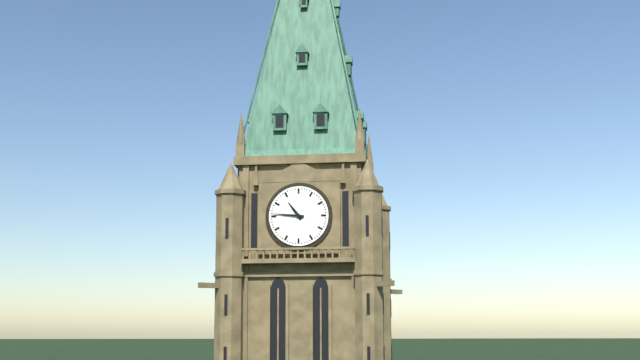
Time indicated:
10h46
